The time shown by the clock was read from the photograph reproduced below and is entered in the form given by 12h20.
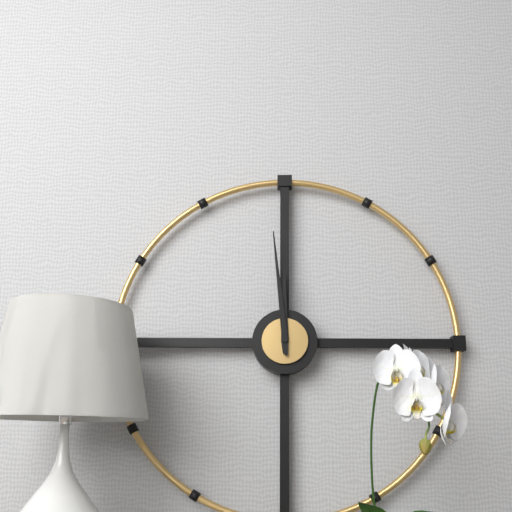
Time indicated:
11h59
